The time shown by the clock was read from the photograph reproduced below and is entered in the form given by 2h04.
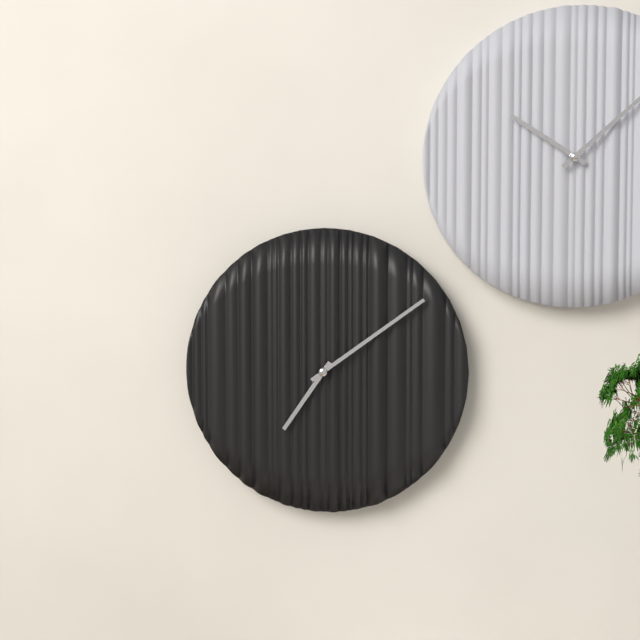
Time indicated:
7h09
